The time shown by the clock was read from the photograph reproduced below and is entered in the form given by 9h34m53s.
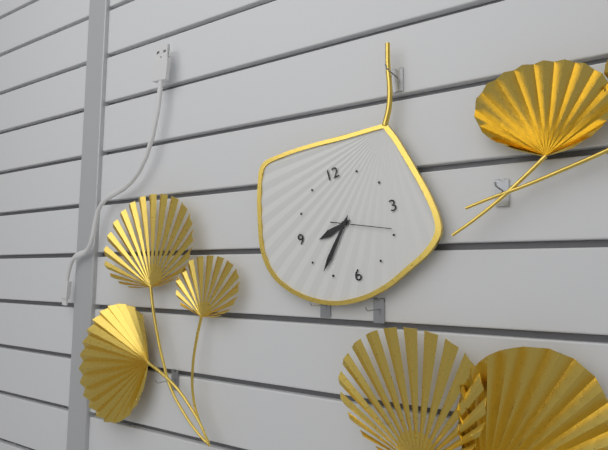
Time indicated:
8h37m19s
